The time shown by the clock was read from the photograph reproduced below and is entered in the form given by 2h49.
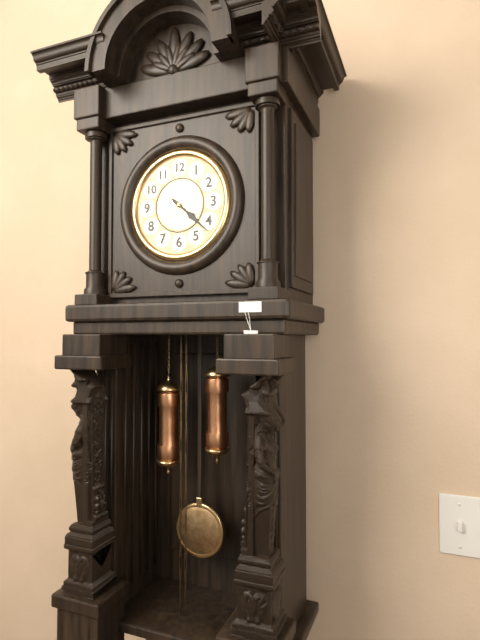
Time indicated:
4h22
